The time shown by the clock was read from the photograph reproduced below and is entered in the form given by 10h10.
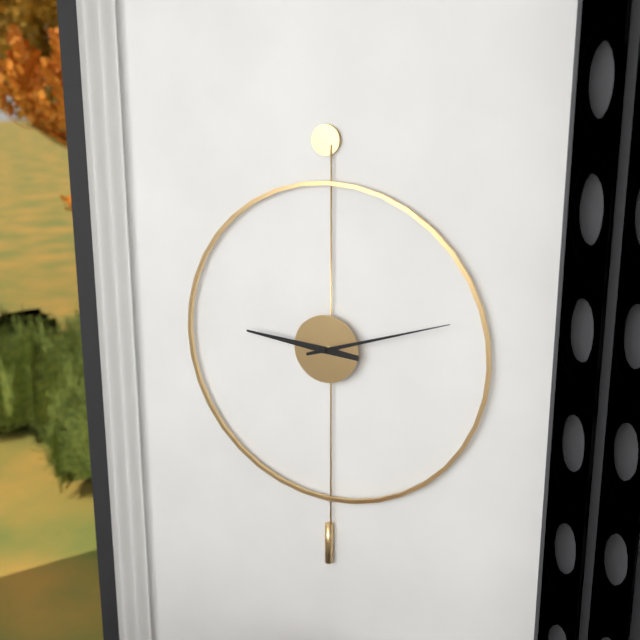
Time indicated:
9h12
